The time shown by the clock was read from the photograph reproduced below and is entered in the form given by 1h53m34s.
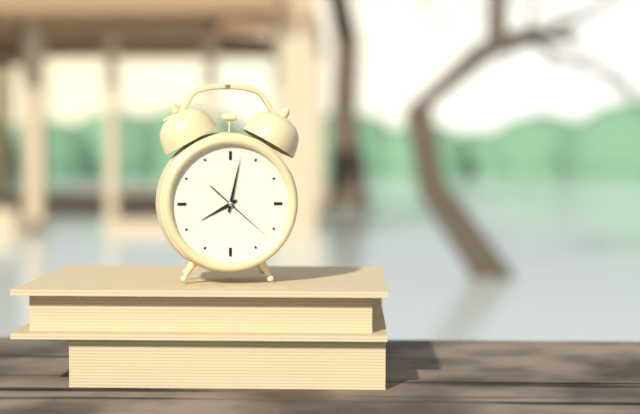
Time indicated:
8h02m22s
